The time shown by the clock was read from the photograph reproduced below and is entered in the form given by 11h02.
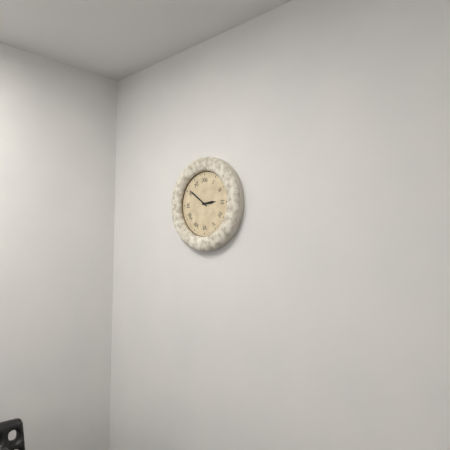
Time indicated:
2h51
